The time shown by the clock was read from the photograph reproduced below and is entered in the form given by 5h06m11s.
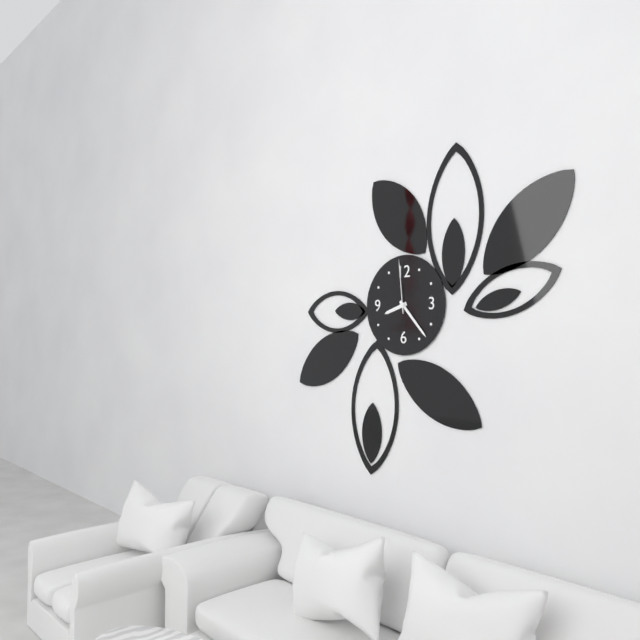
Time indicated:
8h23m59s
